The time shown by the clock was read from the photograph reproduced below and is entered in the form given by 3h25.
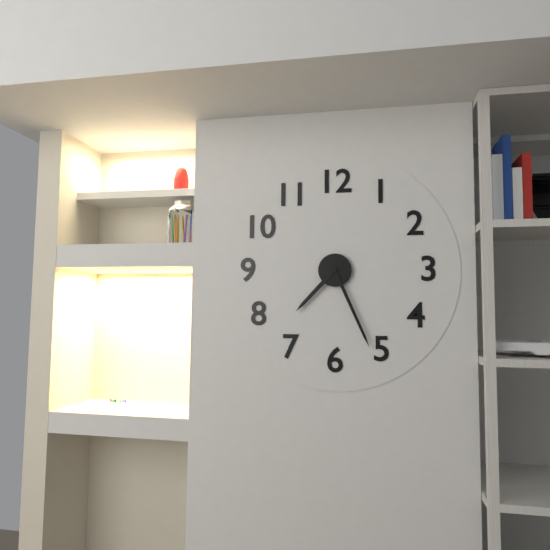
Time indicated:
7h26
